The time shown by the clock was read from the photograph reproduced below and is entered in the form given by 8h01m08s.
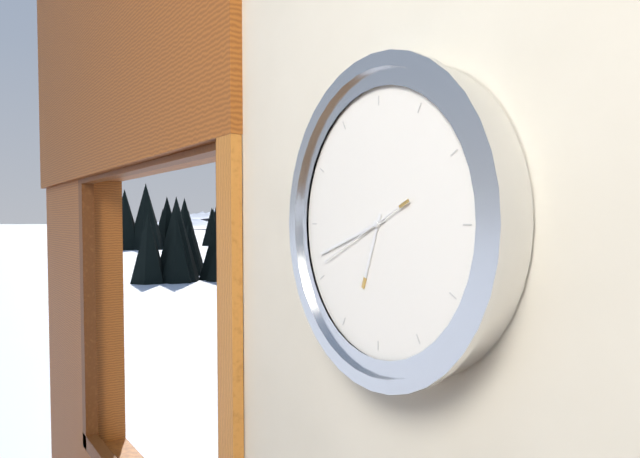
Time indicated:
6h42m41s
